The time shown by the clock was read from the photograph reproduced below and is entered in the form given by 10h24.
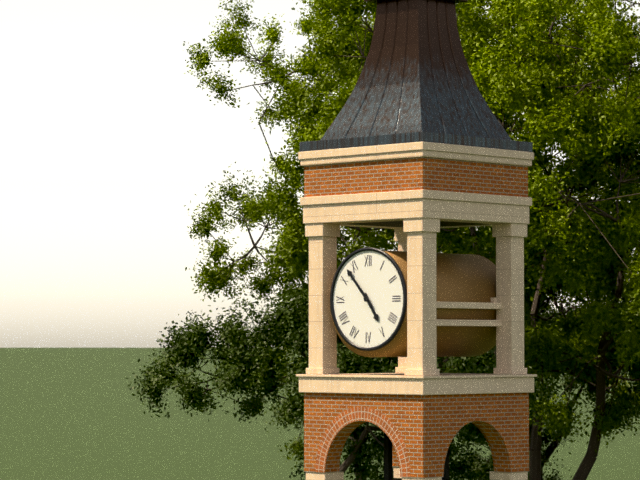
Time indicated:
4h53
